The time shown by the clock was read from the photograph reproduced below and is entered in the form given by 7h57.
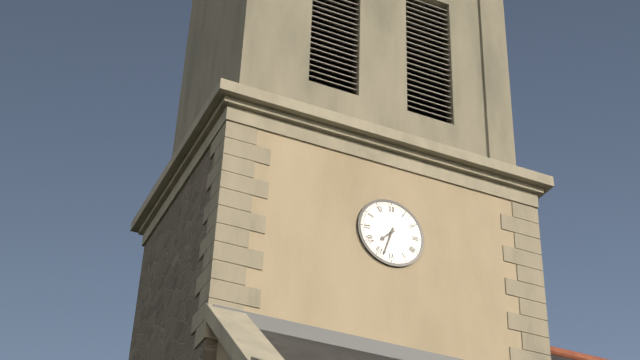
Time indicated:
7h33
